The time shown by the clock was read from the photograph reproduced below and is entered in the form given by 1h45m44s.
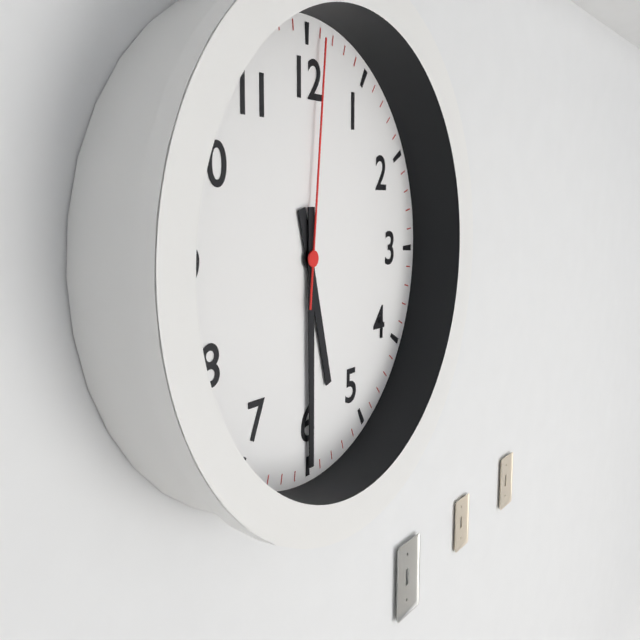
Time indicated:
5h30m01s
